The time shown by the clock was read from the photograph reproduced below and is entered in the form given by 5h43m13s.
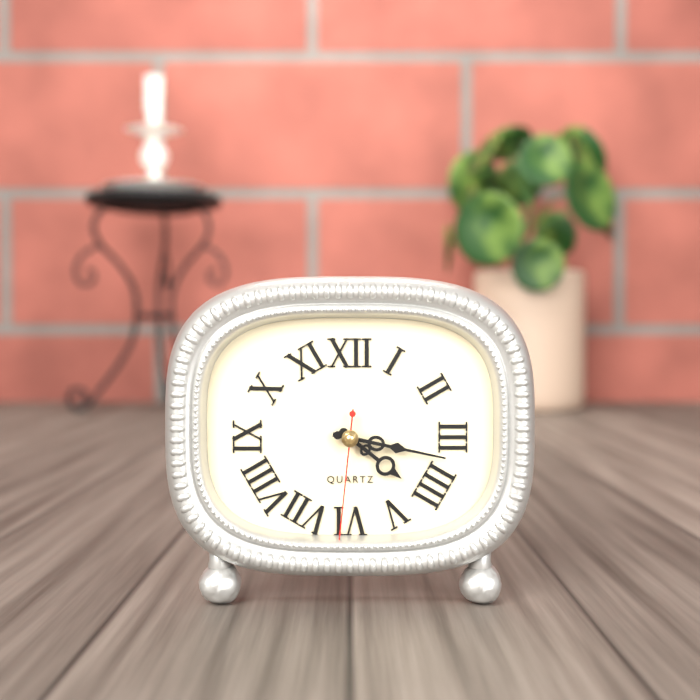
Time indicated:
4h17m31s
